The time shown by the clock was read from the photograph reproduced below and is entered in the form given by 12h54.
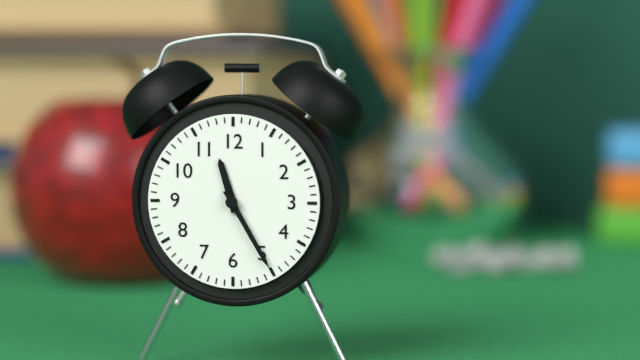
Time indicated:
11h25
